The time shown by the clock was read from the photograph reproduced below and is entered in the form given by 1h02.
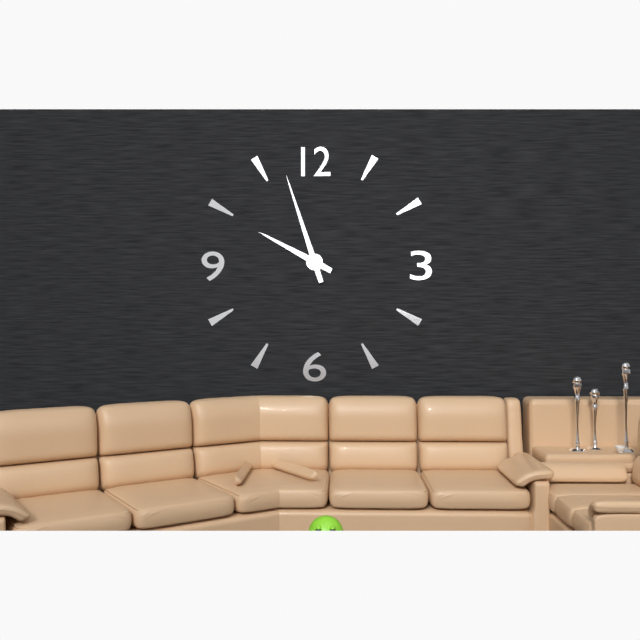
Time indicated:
9h57
